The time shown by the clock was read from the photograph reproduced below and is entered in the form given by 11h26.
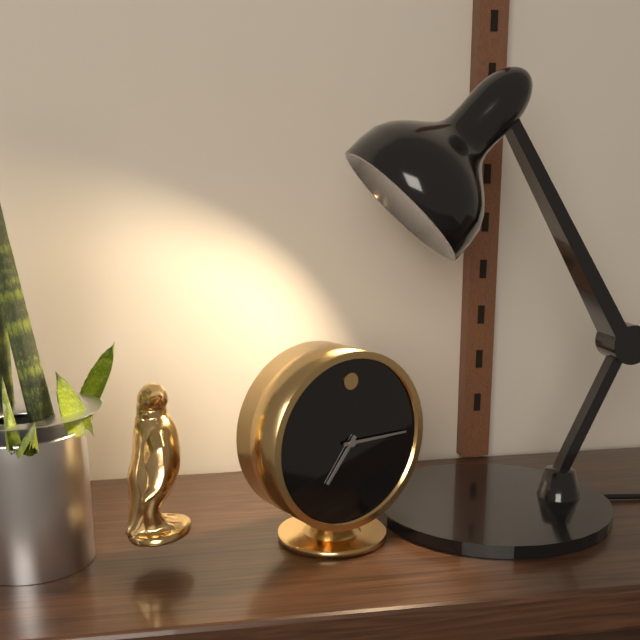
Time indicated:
7h15
